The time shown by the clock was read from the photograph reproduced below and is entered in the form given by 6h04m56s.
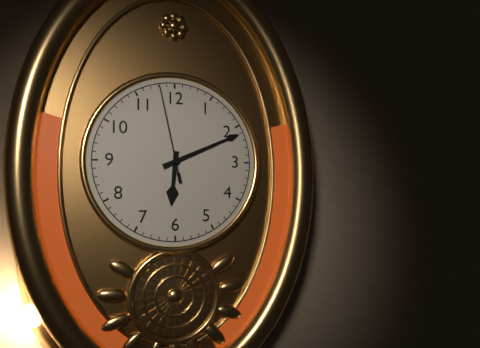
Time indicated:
6h11m58s
